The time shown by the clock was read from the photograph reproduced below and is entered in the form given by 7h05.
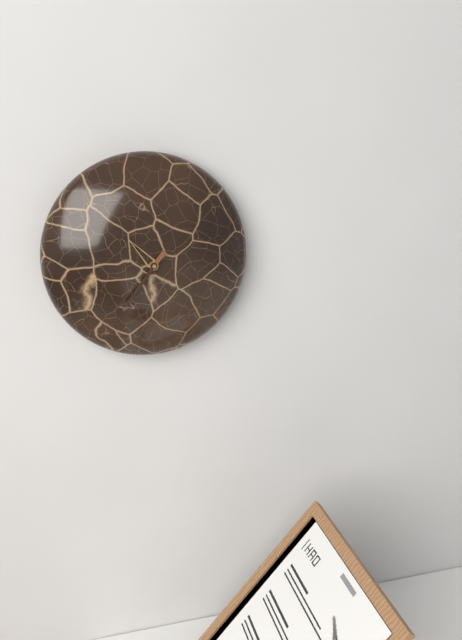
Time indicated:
10h36
